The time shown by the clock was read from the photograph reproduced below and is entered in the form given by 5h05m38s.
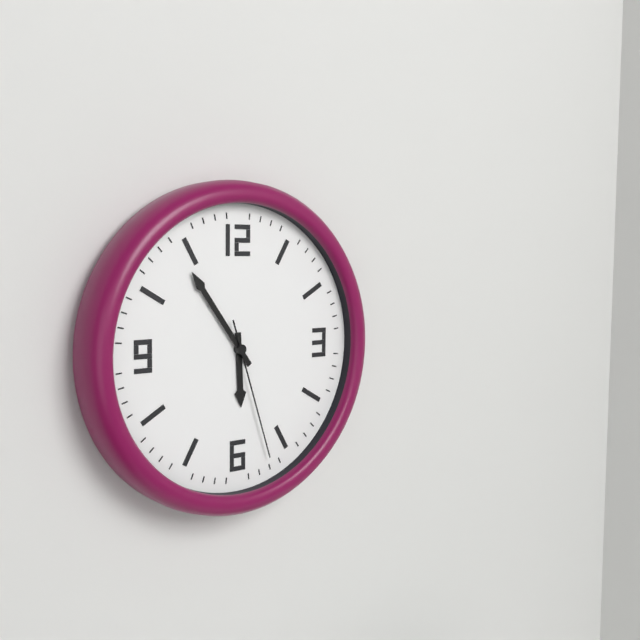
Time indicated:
5h54m27s
